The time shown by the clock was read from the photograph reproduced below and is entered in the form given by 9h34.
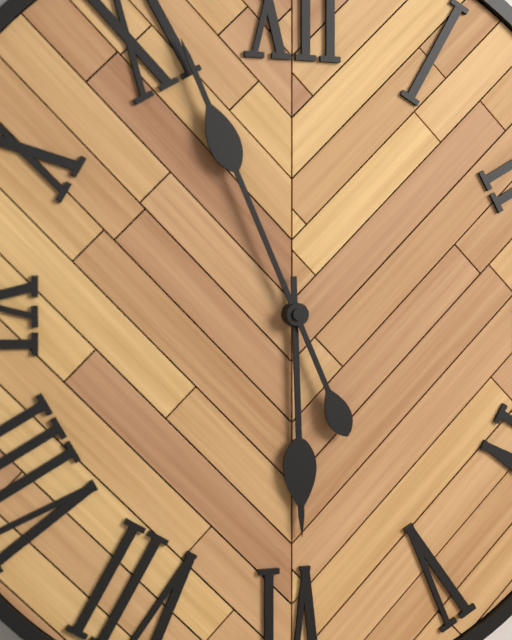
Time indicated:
5h56
